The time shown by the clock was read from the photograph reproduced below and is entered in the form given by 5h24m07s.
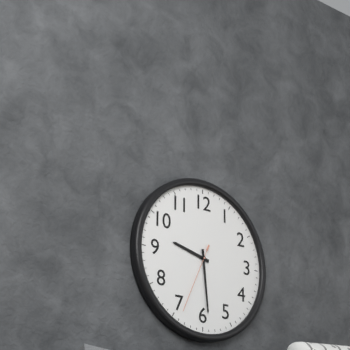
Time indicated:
9h29m34s
